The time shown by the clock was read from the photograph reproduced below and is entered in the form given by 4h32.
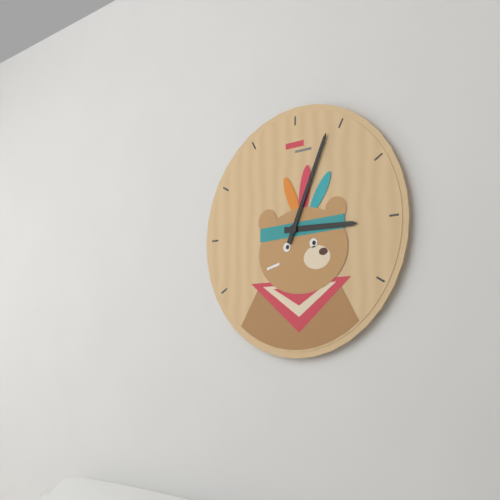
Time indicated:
3h04
